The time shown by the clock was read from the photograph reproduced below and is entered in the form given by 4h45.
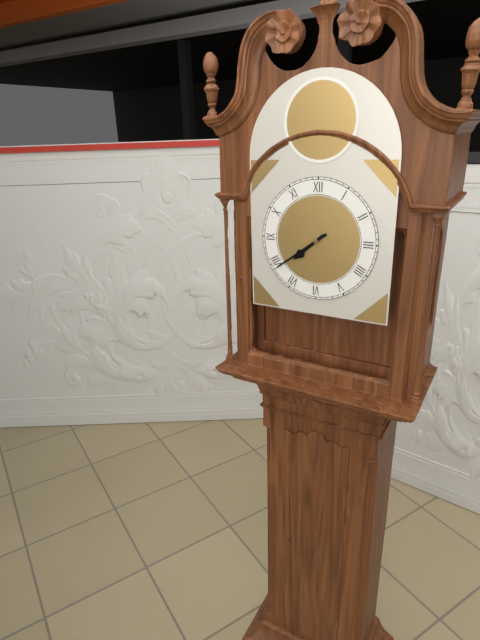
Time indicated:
7h39
